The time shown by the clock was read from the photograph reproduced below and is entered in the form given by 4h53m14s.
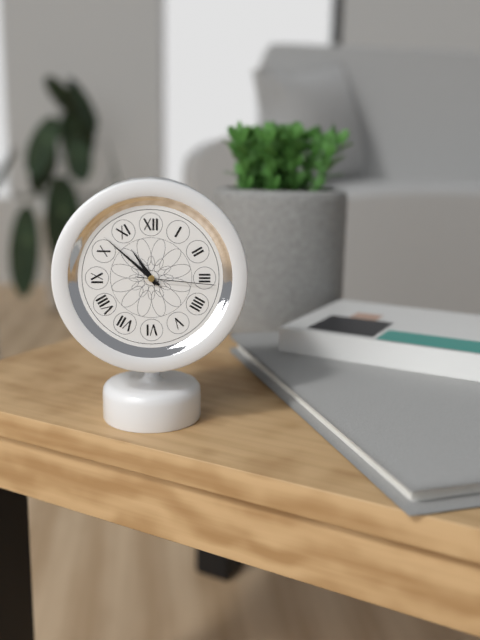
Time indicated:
10h52m16s
